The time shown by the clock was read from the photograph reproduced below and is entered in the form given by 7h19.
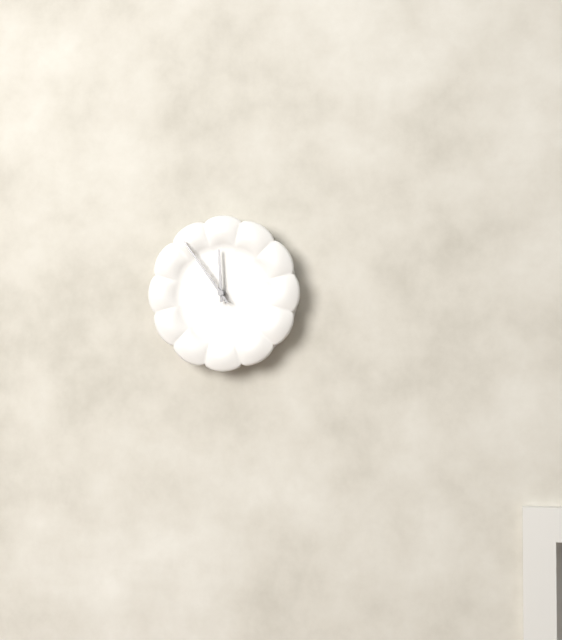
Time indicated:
11h54
